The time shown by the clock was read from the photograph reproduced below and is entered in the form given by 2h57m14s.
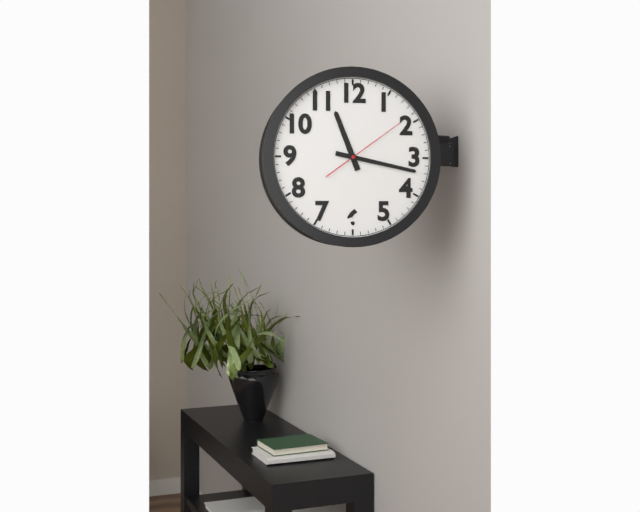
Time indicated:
11h17m09s
